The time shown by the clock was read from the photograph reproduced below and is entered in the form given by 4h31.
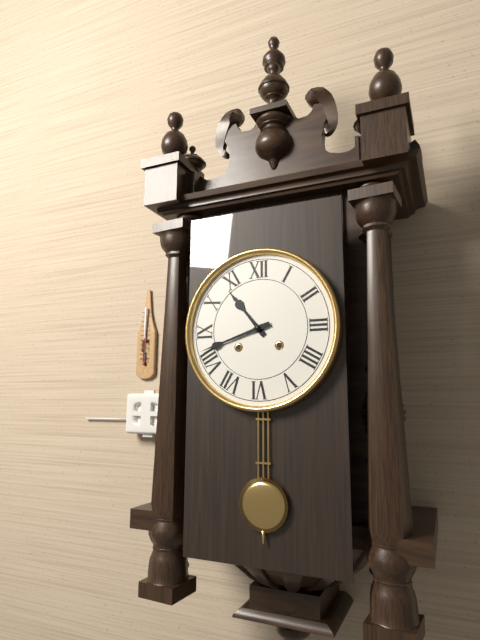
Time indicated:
10h42
